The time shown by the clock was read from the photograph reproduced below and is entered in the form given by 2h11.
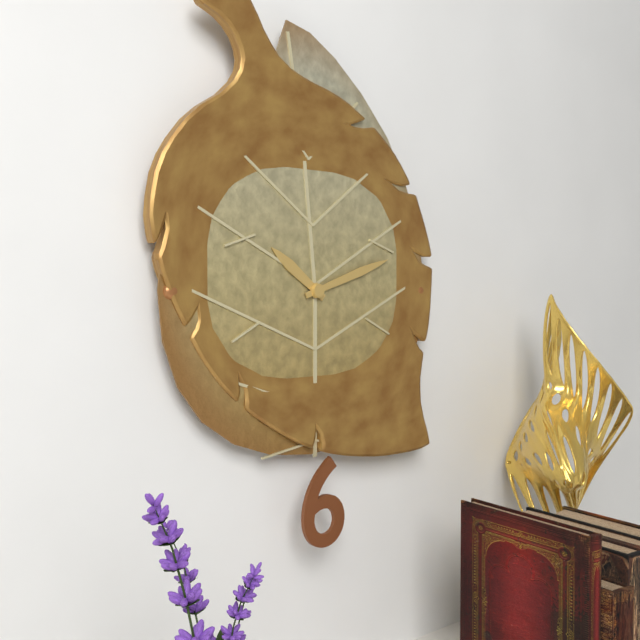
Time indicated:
10h12
